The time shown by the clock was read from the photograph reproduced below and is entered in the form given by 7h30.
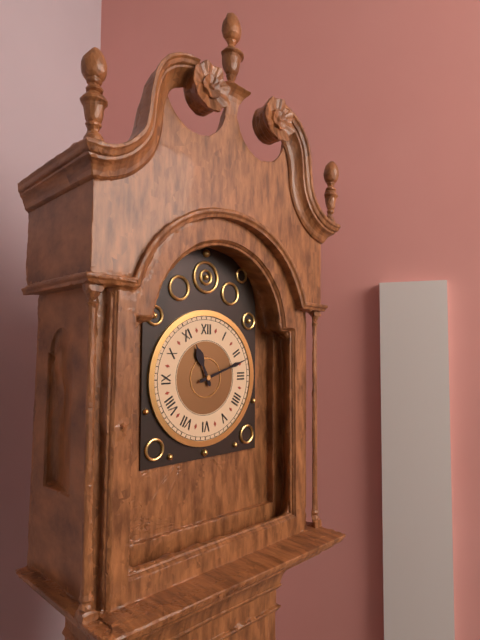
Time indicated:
11h12
